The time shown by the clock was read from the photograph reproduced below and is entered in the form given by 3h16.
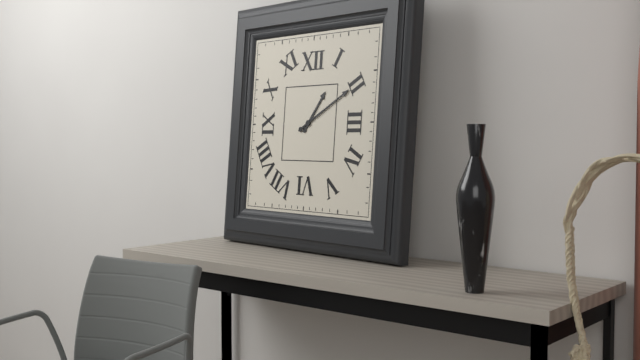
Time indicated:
1h10
